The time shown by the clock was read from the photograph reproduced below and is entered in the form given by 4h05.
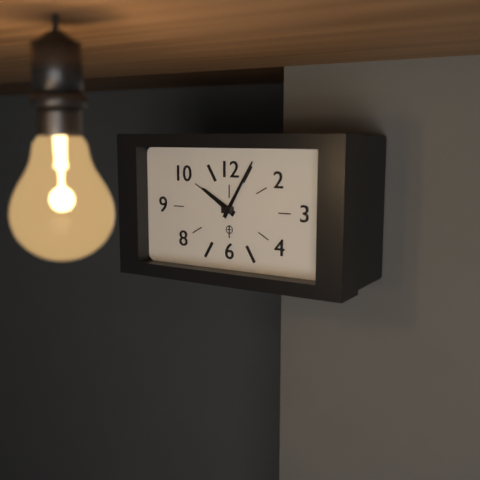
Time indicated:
10h05
